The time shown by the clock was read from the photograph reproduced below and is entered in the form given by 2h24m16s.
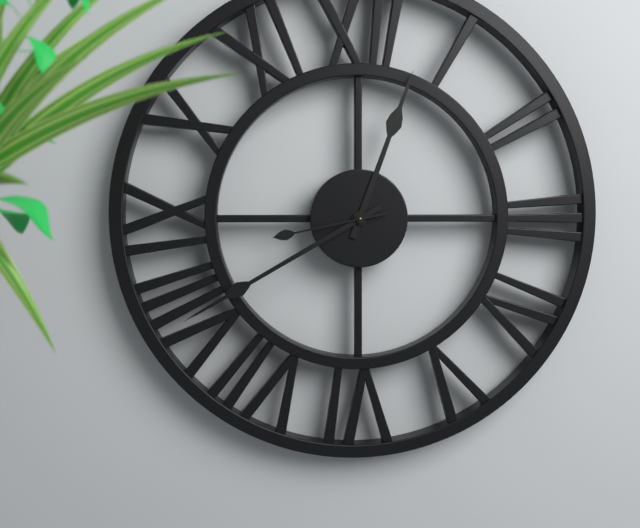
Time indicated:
12h40m43s
